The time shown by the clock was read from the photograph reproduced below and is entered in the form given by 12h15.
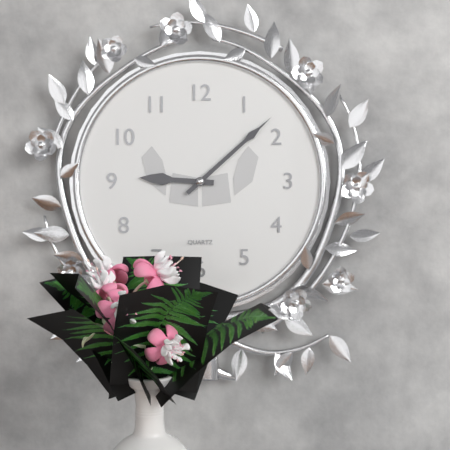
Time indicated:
9h08
